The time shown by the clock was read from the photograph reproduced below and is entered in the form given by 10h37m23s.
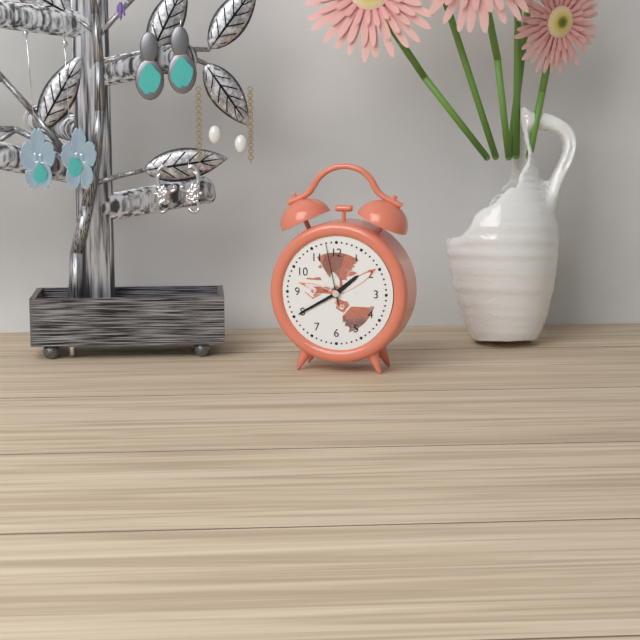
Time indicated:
1h40m58s
